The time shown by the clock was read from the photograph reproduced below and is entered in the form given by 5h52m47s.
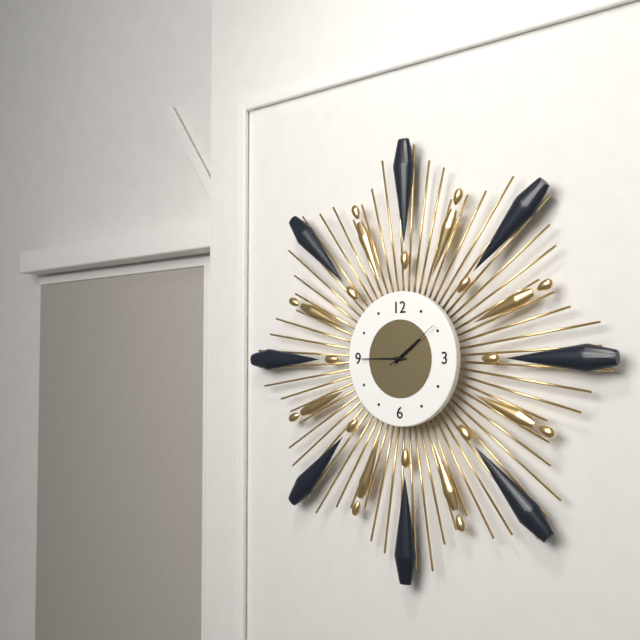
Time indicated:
1h45m09s
